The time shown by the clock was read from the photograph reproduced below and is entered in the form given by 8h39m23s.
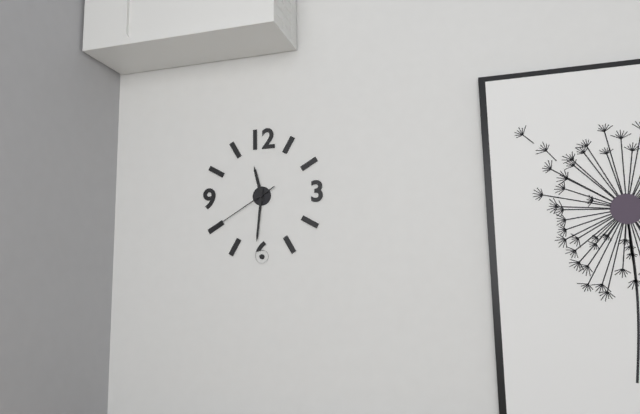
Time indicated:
11h31m40s
